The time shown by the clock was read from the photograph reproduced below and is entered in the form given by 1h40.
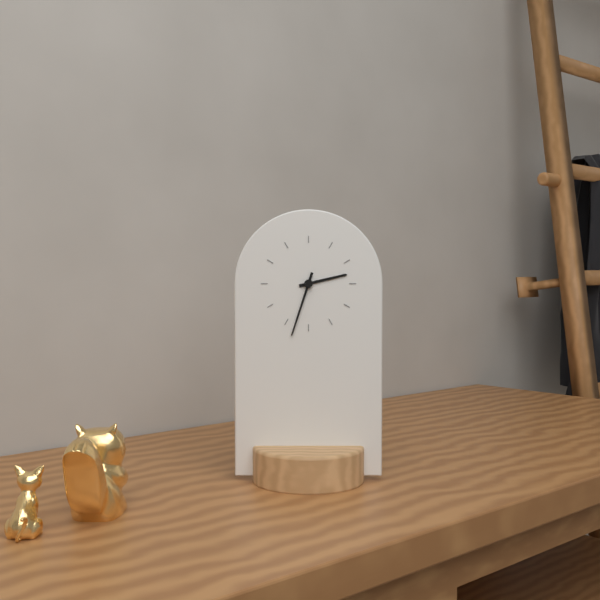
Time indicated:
2h33
